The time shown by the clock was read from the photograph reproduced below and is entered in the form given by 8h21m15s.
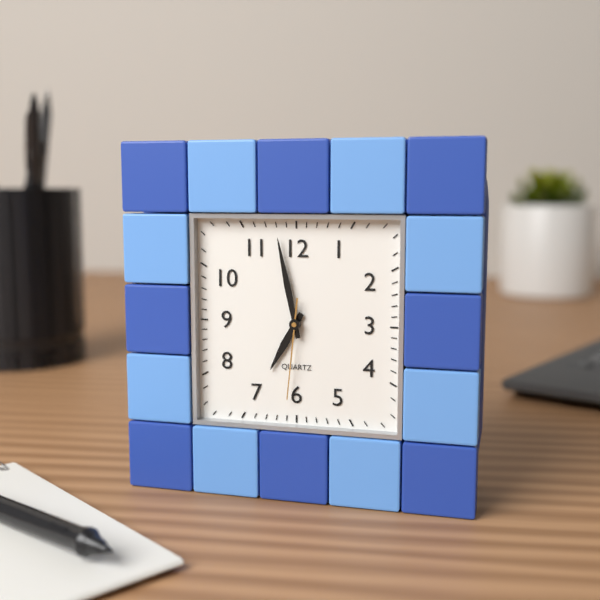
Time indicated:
6h58m31s
